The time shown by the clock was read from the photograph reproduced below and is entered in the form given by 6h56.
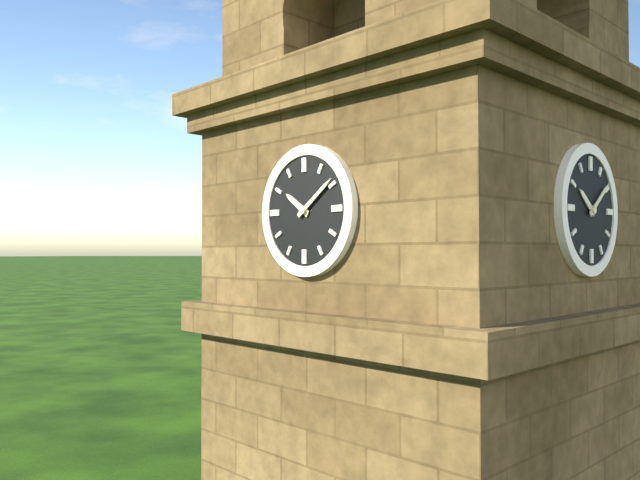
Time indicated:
10h09
